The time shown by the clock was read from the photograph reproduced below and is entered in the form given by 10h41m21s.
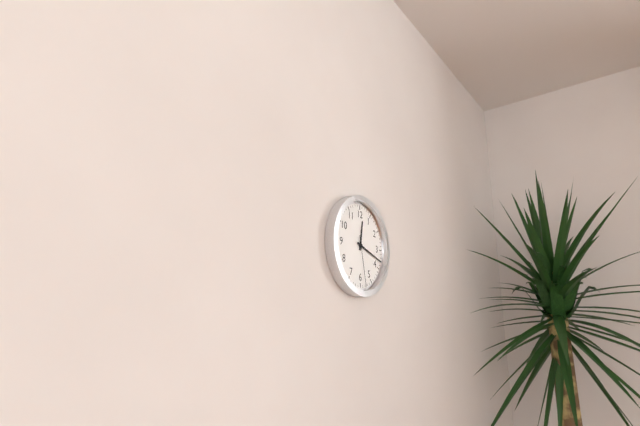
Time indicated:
12h18m28s
